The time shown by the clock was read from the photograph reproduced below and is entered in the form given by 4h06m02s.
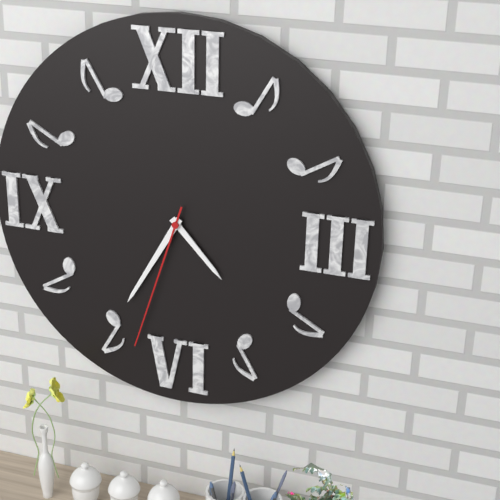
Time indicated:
4h35m33s
